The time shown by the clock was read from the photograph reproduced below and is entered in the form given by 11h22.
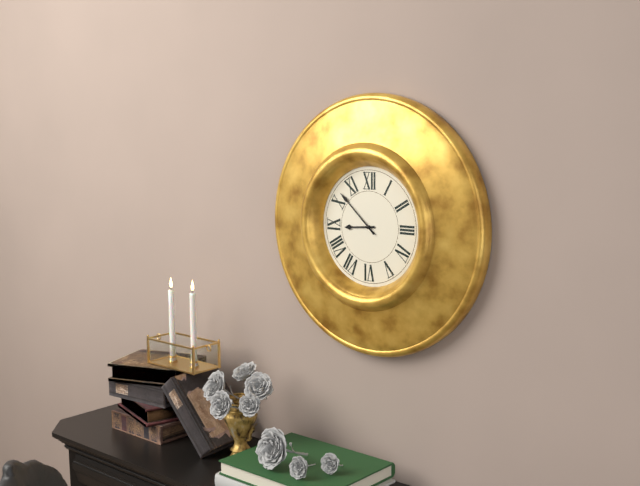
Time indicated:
8h52
